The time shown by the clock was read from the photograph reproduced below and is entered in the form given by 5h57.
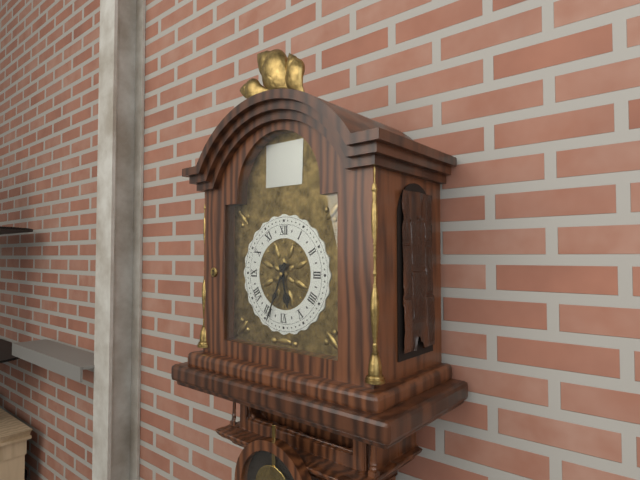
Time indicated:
5h34
